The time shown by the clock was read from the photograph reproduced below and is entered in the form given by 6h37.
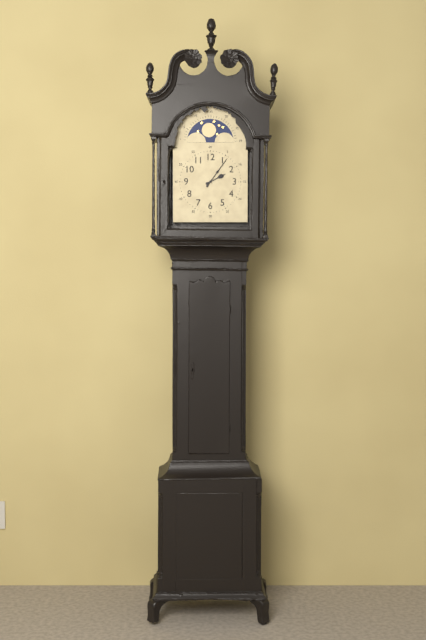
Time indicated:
2h06
